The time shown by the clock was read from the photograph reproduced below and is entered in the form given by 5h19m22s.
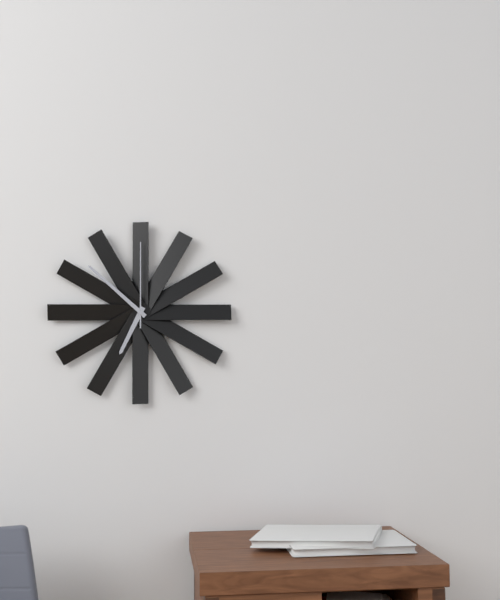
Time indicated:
6h52m00s
